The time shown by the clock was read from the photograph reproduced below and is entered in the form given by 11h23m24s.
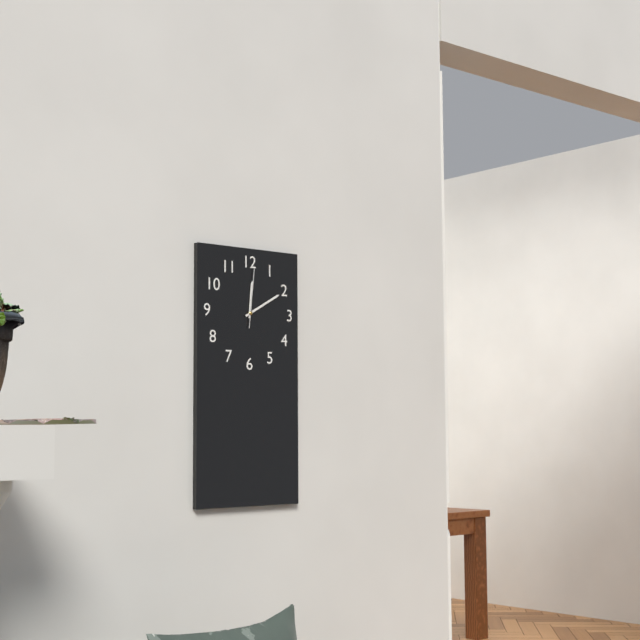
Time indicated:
12h10m01s
